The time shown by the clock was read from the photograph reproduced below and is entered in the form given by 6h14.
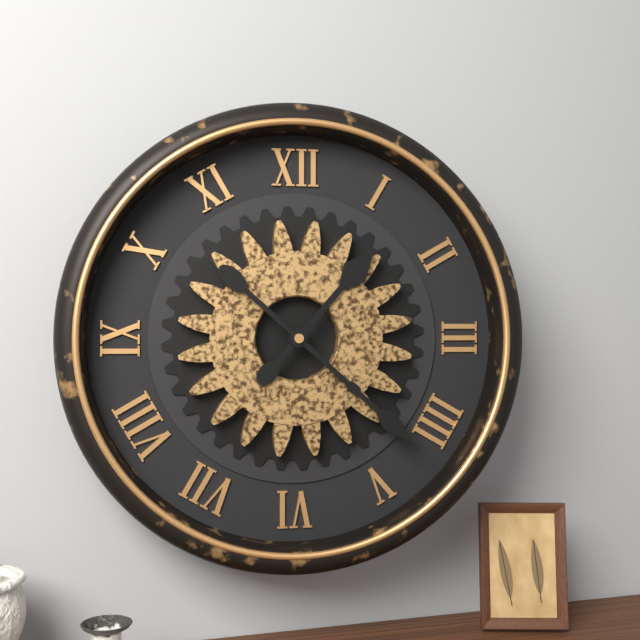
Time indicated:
1h22
